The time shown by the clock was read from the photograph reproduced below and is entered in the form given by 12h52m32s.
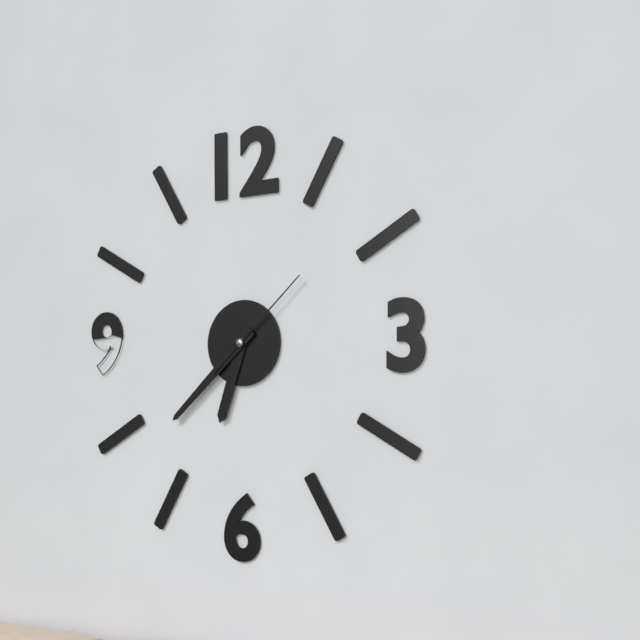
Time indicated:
6h38m08s
